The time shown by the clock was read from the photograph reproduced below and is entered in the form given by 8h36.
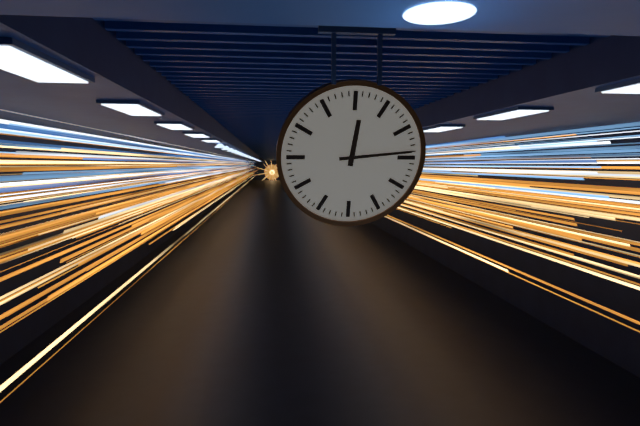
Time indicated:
12h14
